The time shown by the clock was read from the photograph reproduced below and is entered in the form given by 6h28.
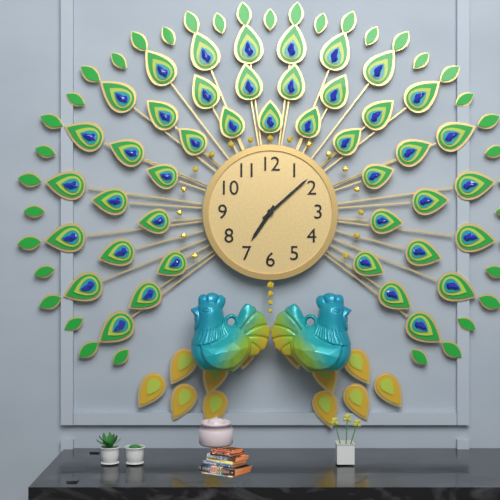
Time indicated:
7h08
